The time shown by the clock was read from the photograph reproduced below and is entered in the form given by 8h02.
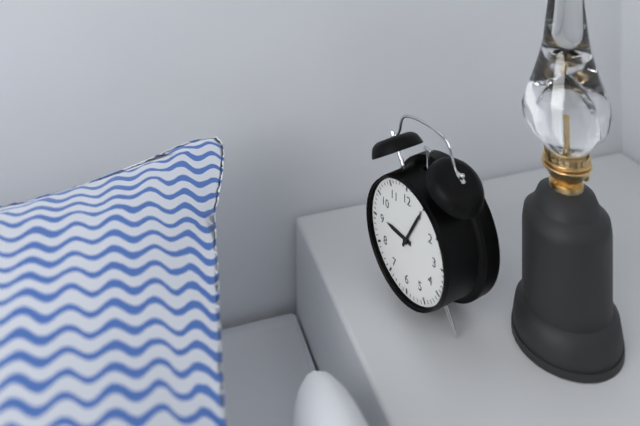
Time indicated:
9h05
